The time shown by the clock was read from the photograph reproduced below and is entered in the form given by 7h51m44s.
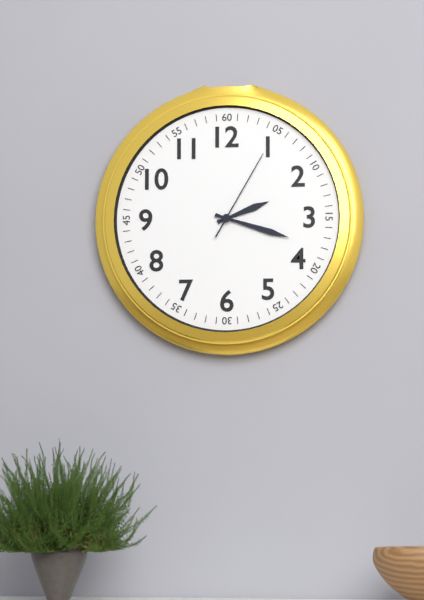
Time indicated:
2h18m05s
